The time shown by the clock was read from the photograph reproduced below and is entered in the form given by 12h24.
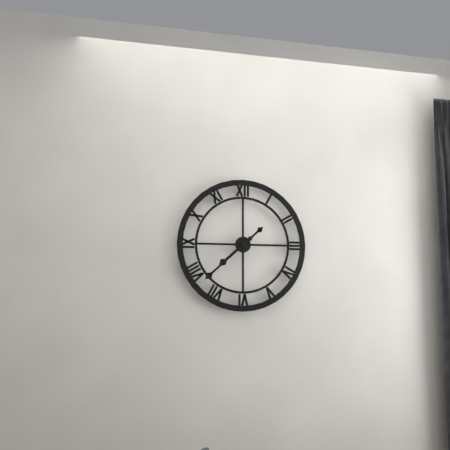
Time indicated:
7h38
